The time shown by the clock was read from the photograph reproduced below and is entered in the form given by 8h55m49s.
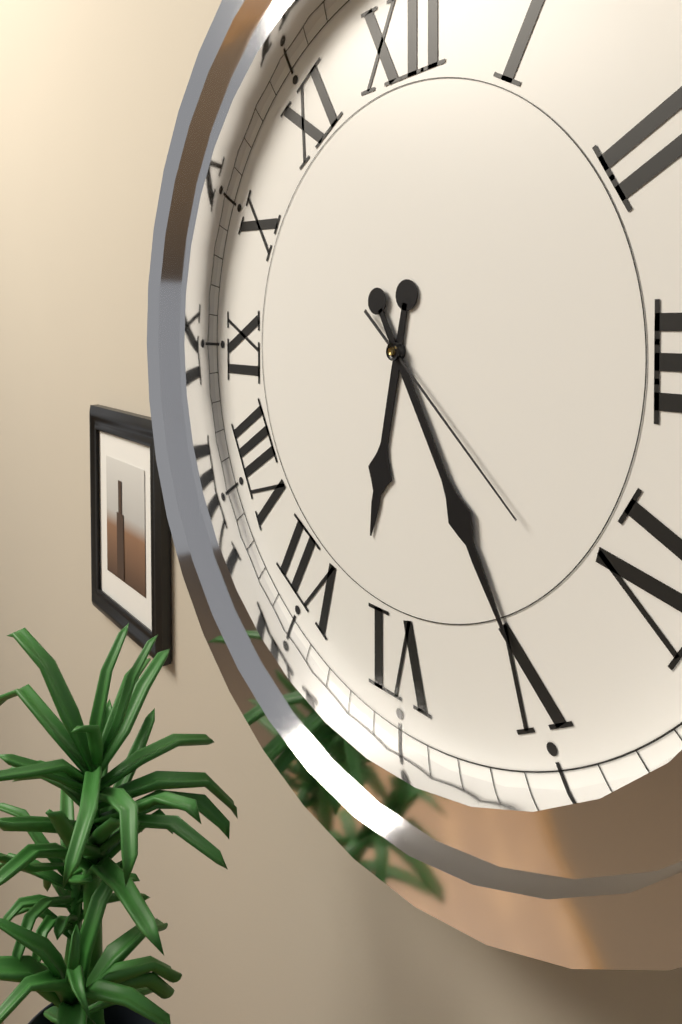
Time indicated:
6h25m22s
